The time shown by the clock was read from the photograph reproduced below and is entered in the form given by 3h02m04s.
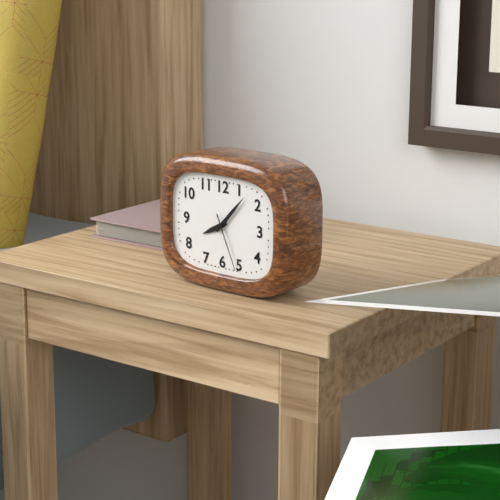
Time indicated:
8h07m26s
